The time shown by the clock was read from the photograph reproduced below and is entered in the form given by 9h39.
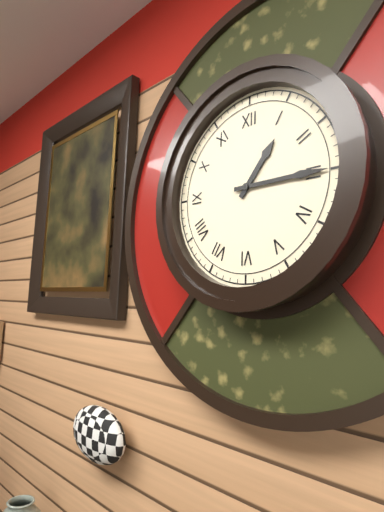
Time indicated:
1h15
